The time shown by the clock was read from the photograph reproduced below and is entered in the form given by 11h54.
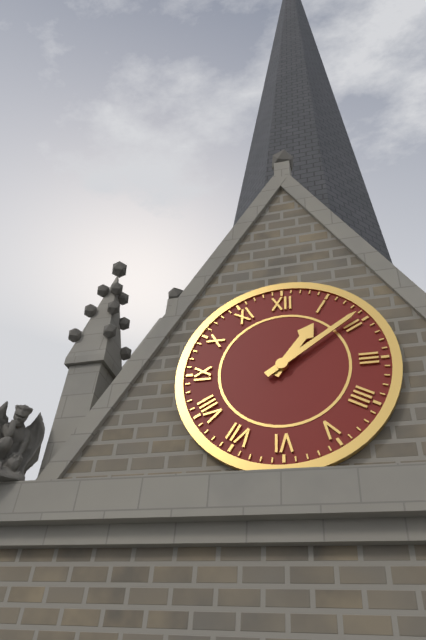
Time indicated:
1h09
